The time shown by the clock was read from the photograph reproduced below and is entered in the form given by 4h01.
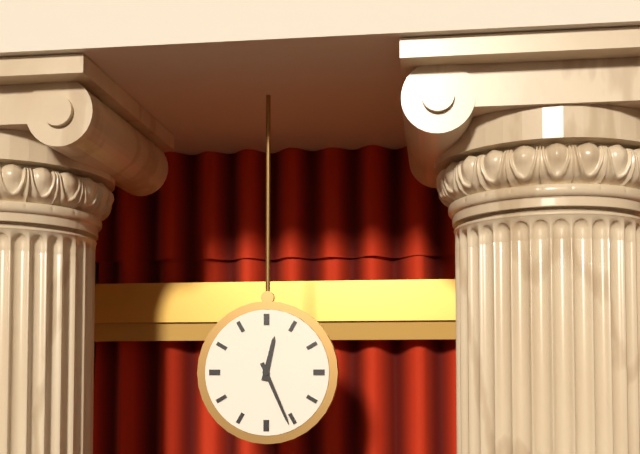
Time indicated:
12h26
